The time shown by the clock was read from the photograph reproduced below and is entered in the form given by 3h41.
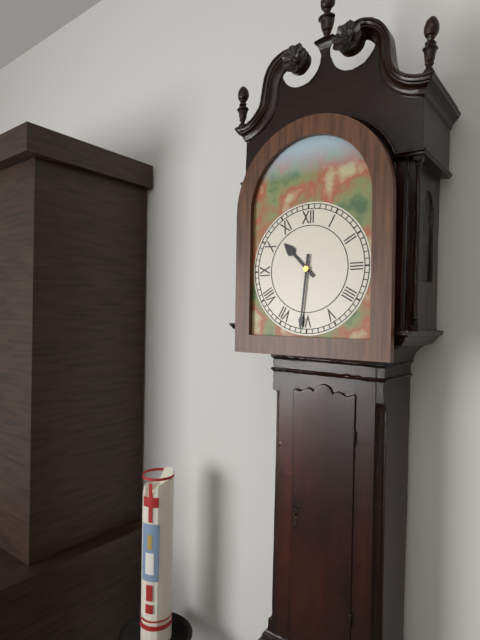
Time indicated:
10h31
